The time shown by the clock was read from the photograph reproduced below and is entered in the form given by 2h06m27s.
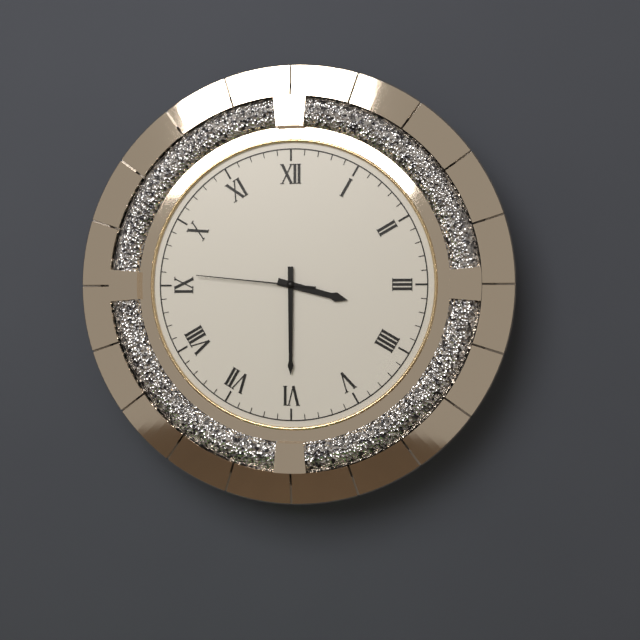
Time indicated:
3h30m46s
